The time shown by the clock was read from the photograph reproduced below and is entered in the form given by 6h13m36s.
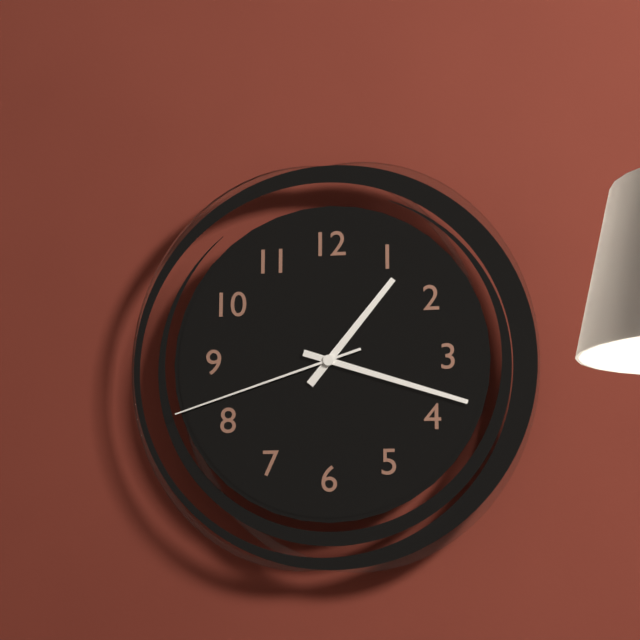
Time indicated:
1h18m42s
